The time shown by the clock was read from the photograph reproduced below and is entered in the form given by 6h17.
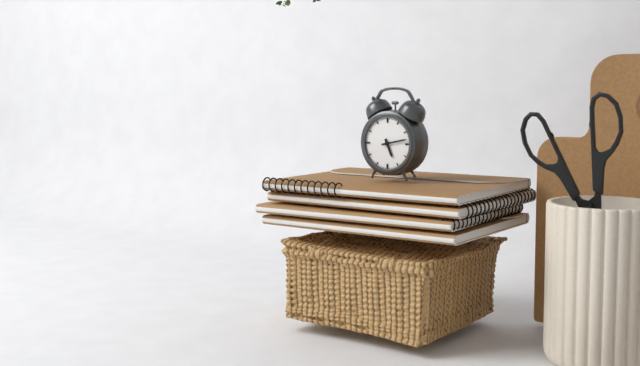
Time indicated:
5h13
